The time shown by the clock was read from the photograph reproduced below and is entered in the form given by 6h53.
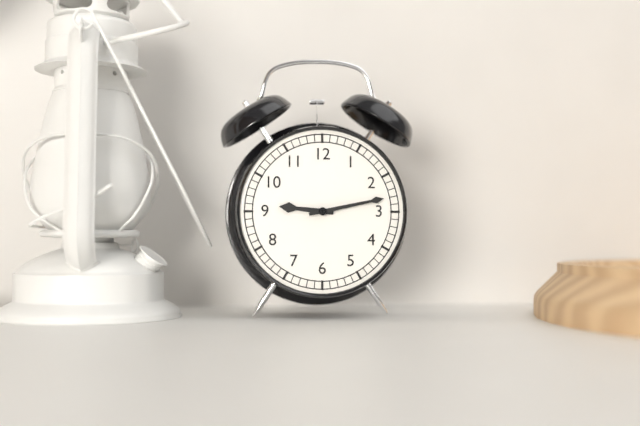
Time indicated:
9h13
